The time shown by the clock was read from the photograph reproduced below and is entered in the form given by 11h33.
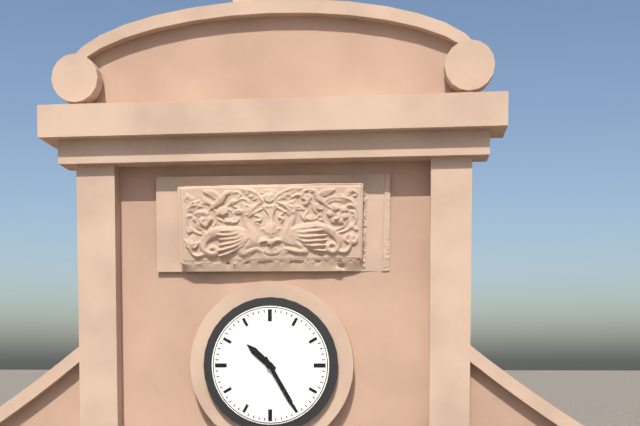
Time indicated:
10h25
